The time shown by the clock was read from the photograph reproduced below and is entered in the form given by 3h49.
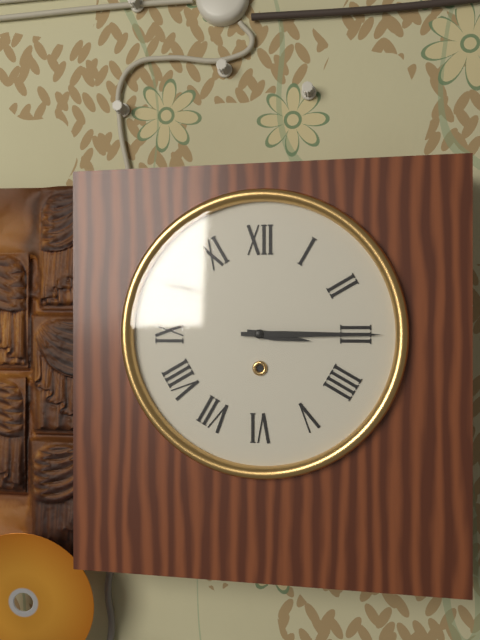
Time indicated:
3h15
